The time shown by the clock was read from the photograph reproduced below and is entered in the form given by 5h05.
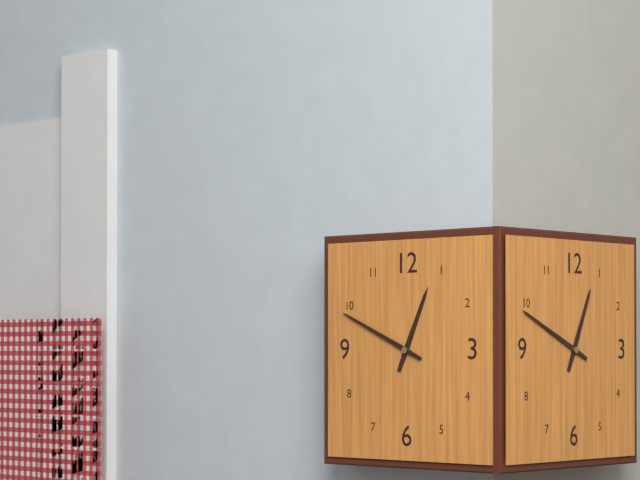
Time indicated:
12h49
